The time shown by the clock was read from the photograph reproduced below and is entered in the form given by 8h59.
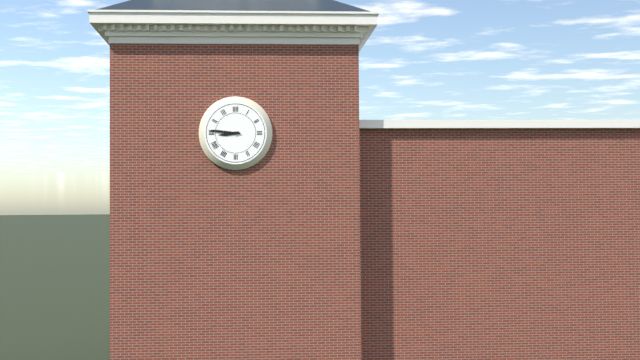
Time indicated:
8h46
